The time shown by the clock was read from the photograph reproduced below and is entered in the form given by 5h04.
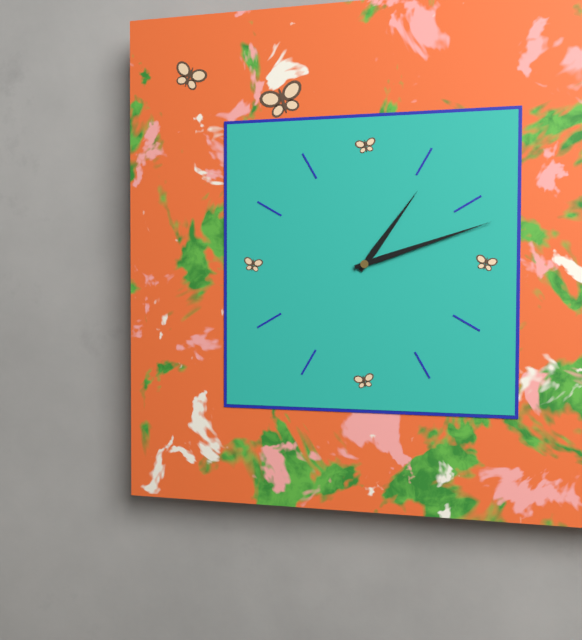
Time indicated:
1h12
